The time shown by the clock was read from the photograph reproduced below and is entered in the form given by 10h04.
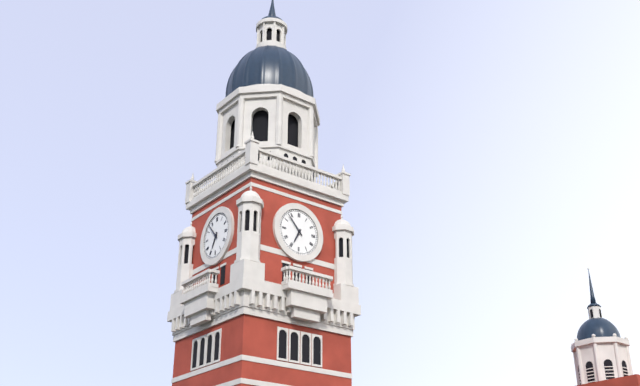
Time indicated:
6h53
